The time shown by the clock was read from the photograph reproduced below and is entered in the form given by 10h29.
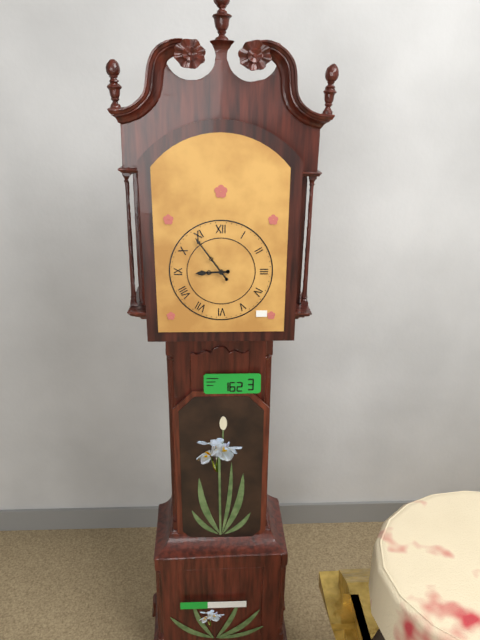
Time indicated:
8h54
